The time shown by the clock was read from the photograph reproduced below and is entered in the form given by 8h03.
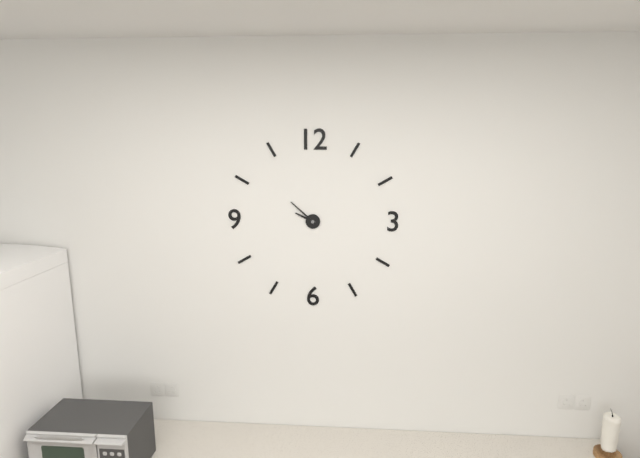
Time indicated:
9h52
